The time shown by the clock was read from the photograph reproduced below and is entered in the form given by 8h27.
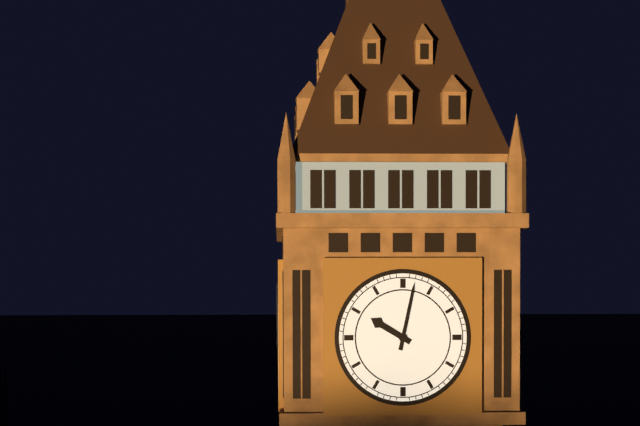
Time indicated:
10h02
